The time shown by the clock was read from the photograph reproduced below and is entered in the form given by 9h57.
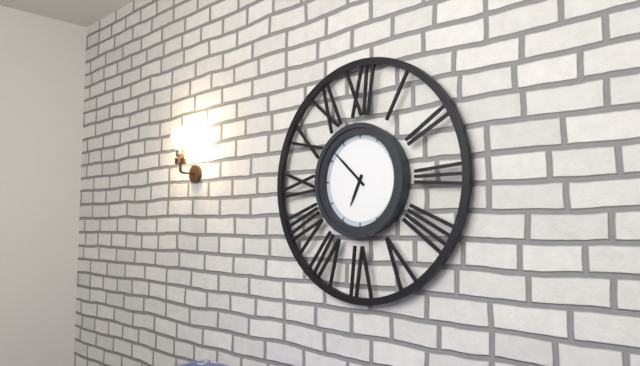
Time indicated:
6h52
